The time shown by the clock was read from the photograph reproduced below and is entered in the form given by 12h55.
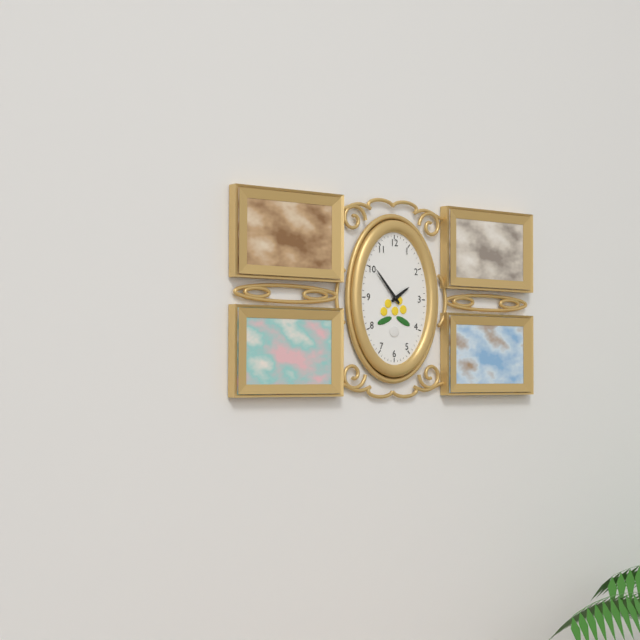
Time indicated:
1h53
